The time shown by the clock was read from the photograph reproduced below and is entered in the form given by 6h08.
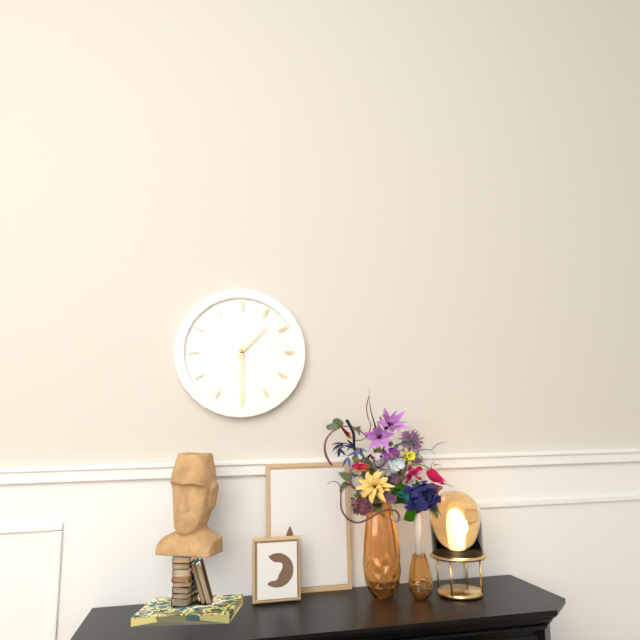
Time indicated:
1h30
